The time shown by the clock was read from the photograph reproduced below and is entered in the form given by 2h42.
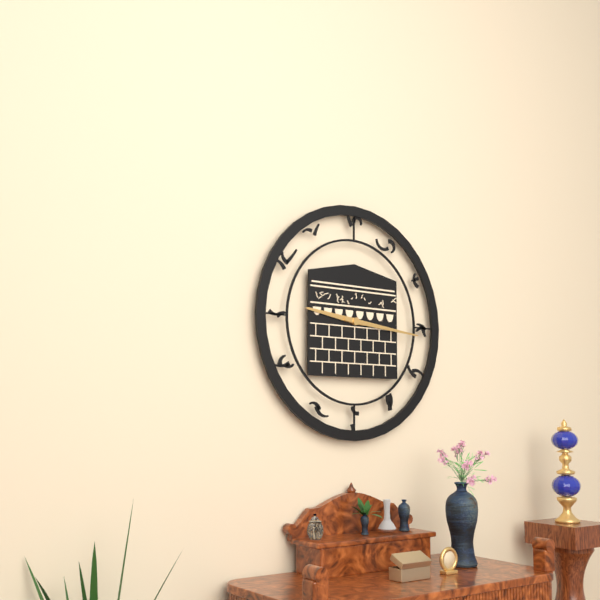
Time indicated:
9h16
